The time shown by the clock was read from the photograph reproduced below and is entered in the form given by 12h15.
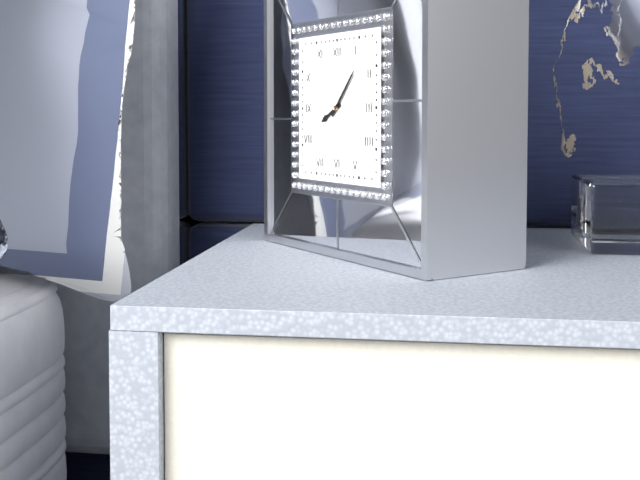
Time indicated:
8h07
